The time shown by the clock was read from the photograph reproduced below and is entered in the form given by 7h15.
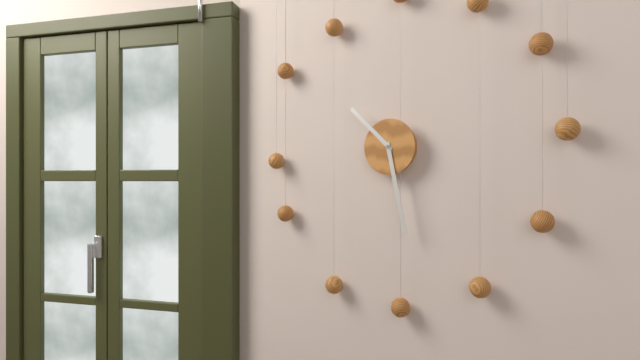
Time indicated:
10h28
